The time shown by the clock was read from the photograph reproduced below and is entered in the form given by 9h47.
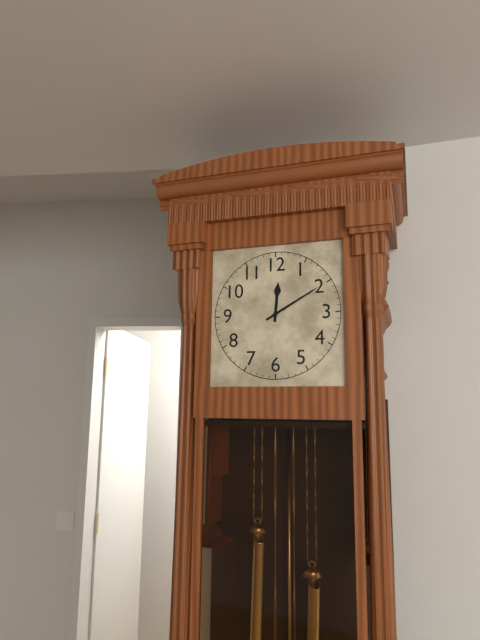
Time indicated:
12h10
